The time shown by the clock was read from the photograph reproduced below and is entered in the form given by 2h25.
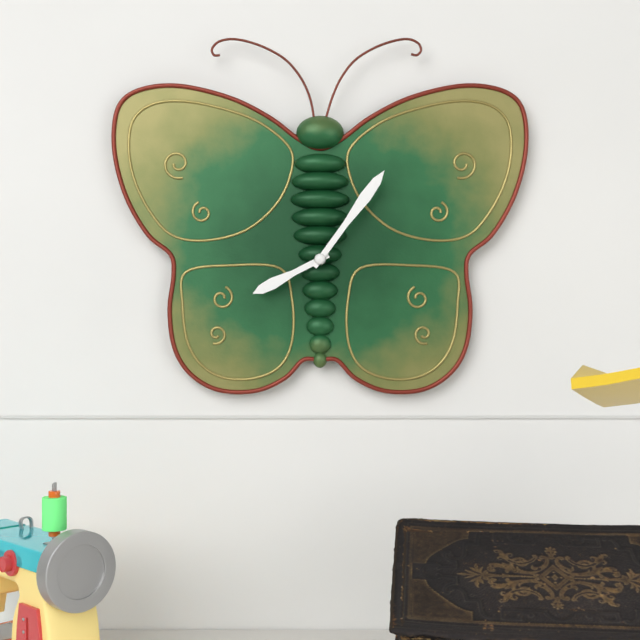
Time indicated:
8h06
